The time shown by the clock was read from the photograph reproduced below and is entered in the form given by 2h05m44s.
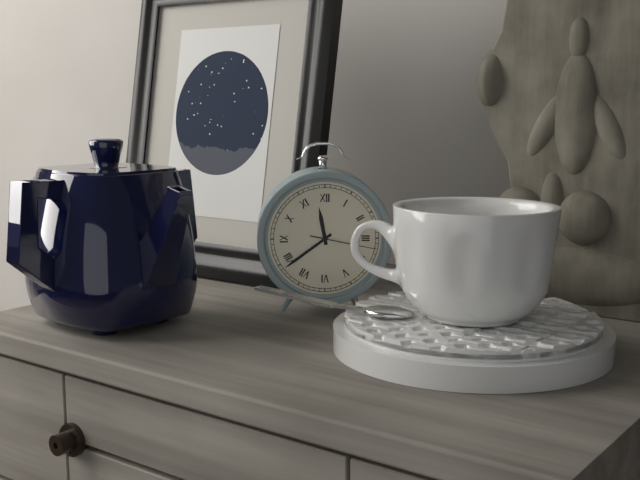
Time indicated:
11h39m17s
